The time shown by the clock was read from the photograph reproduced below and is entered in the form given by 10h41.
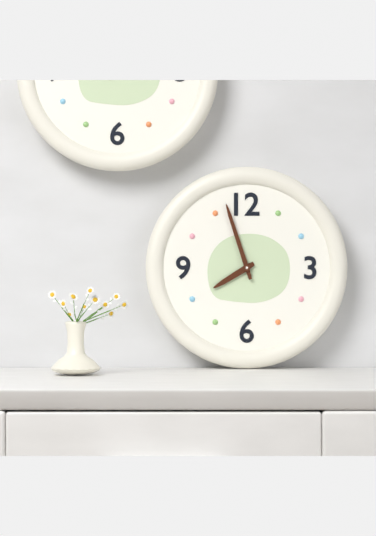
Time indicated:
7h57
